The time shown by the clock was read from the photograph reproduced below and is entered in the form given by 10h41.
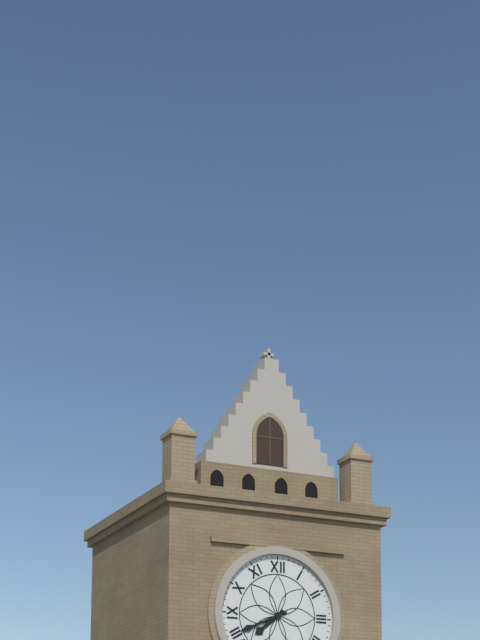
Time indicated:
7h41
